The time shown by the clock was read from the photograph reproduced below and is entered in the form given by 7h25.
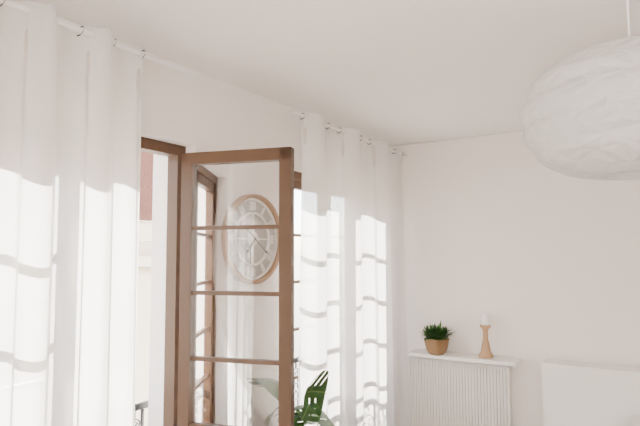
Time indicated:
7h21
